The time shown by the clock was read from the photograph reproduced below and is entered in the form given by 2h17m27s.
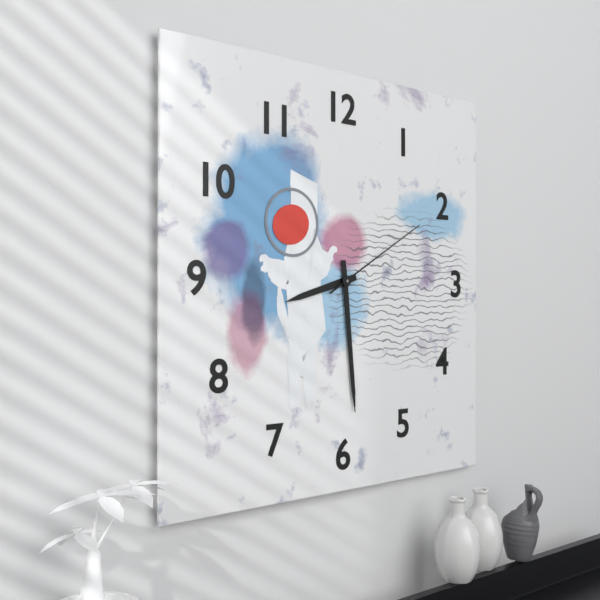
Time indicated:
8h29m10s
